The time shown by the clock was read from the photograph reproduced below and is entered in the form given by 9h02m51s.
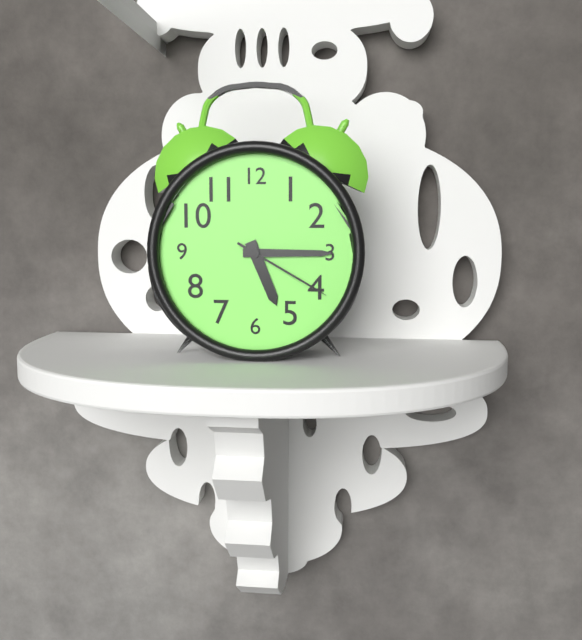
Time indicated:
5h15m20s
